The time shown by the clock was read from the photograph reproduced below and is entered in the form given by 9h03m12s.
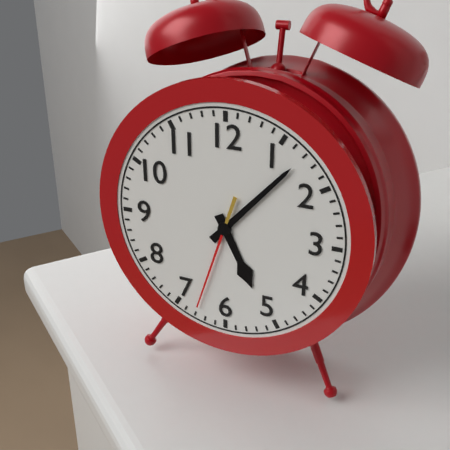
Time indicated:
5h07m33s
